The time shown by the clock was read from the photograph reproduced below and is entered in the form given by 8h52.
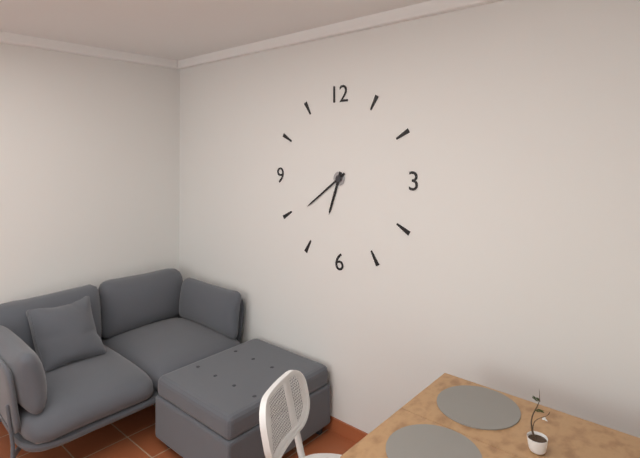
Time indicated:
6h39
